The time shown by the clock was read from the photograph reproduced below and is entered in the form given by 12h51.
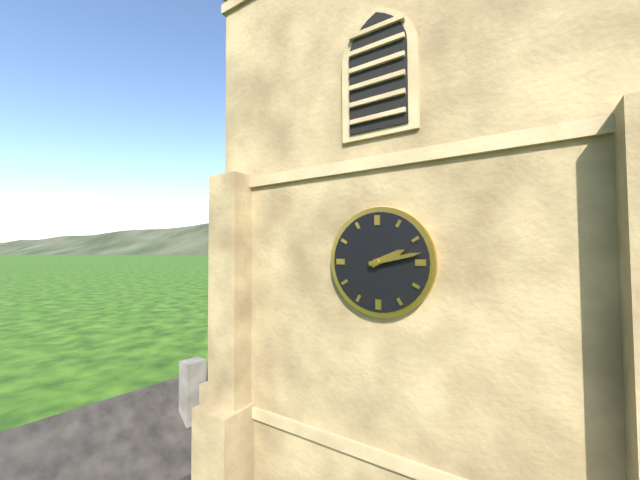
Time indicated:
2h13
